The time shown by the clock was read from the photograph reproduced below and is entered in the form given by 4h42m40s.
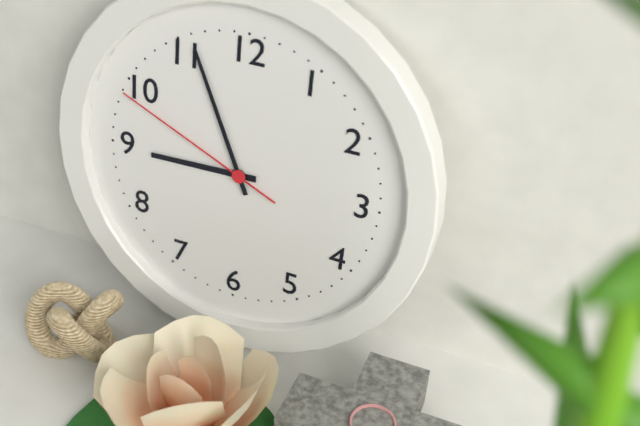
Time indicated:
8h56m49s
